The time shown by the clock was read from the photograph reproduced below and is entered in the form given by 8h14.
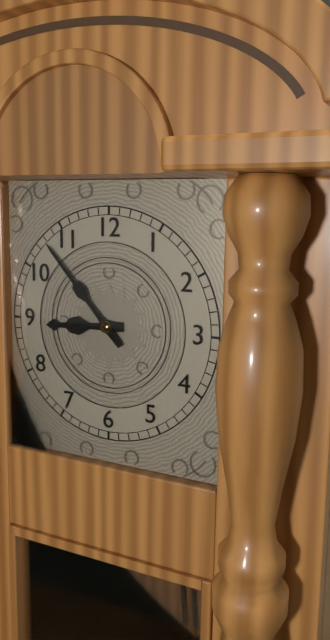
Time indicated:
8h53
